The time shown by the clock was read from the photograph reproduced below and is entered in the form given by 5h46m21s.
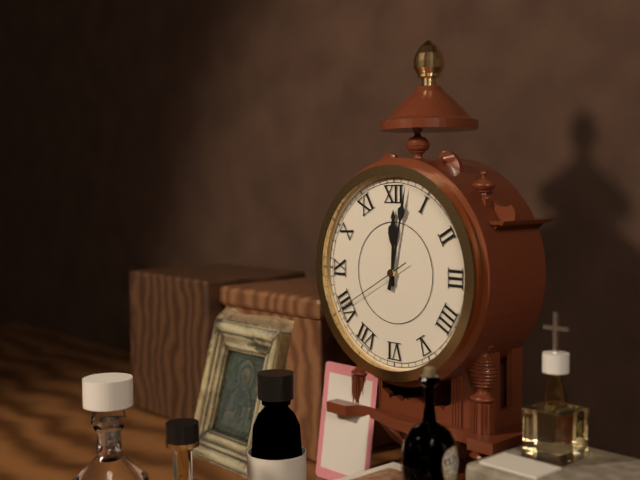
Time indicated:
12h02m40s
